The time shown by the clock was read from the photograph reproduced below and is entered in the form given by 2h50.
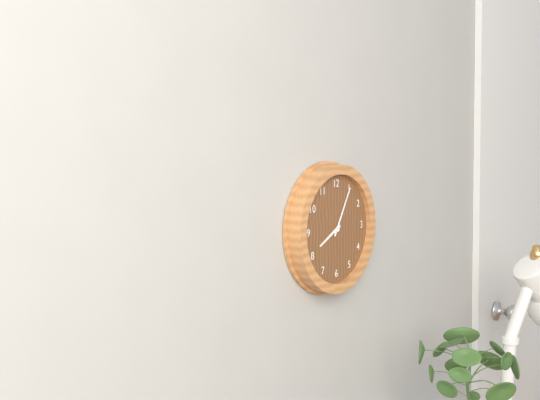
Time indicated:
8h05
